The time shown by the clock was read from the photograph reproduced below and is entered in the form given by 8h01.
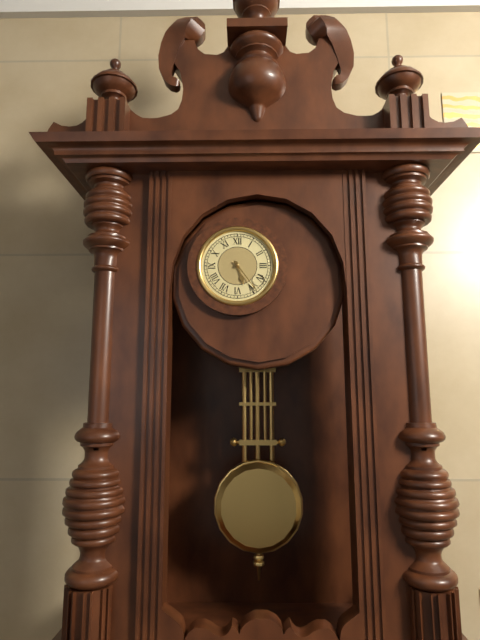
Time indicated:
5h24
